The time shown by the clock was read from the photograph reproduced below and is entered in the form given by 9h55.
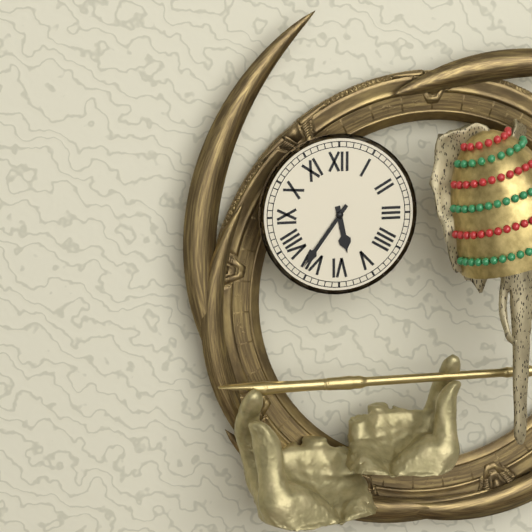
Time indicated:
5h36
